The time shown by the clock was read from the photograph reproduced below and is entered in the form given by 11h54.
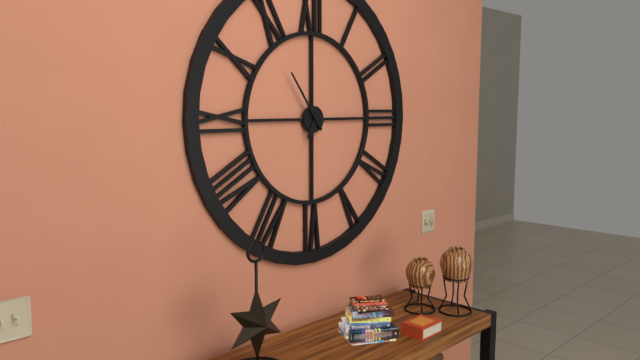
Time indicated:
6h54
